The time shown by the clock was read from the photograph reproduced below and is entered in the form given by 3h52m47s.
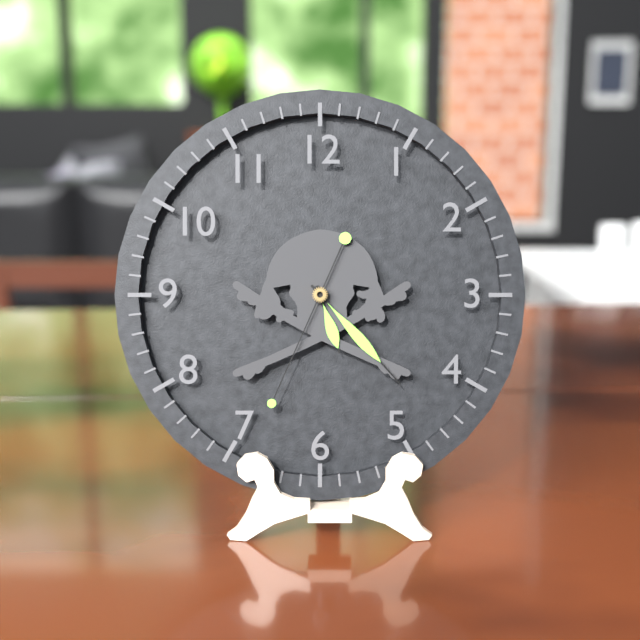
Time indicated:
5h23m34s
